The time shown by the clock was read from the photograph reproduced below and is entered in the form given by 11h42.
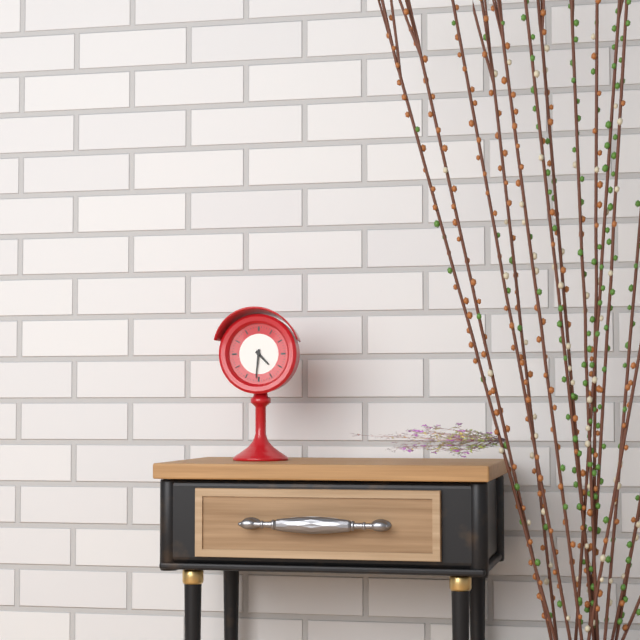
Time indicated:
4h31
